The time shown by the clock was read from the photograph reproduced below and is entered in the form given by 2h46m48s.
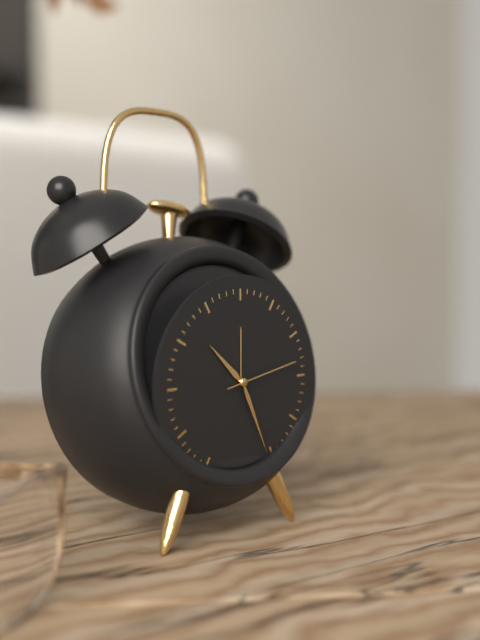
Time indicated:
10h26m13s
